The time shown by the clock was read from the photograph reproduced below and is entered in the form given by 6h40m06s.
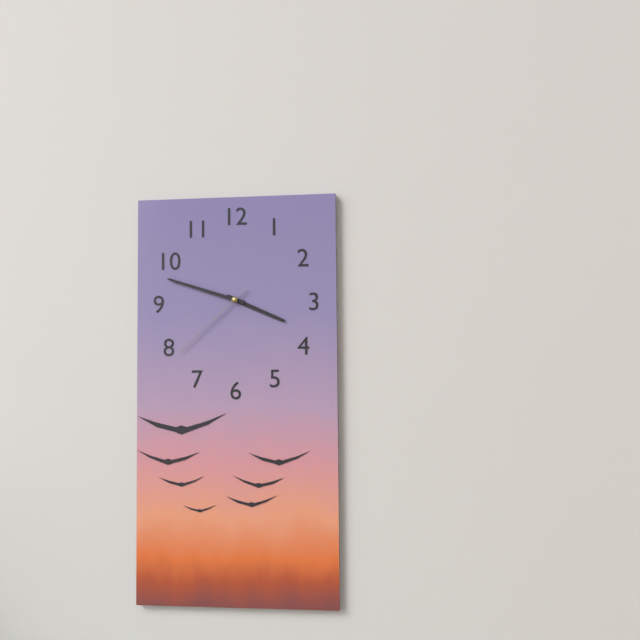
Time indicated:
3h48m38s
